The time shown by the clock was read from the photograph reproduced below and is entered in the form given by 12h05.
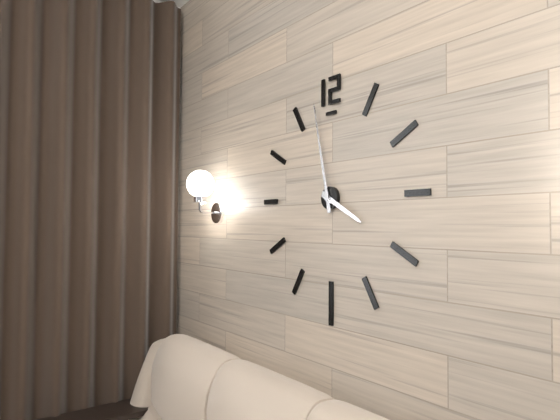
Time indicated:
3h58
